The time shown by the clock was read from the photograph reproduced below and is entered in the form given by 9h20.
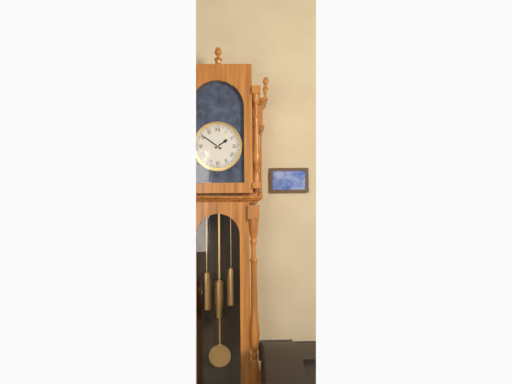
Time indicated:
1h51
